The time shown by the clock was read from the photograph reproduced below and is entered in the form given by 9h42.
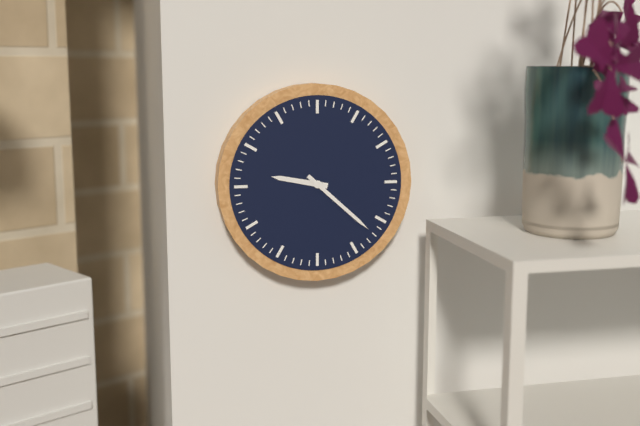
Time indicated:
9h22
